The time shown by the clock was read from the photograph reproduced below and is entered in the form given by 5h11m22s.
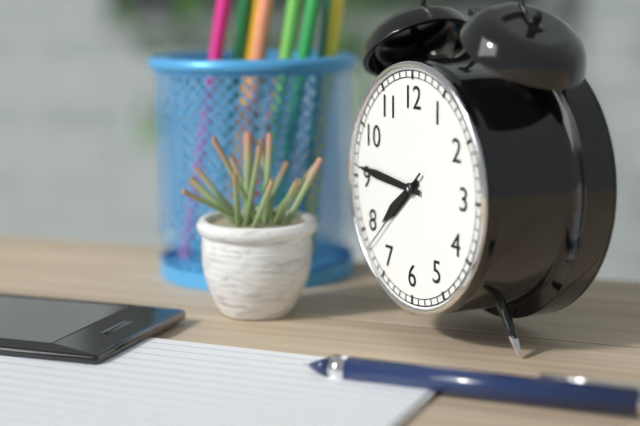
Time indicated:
7h46m38s
